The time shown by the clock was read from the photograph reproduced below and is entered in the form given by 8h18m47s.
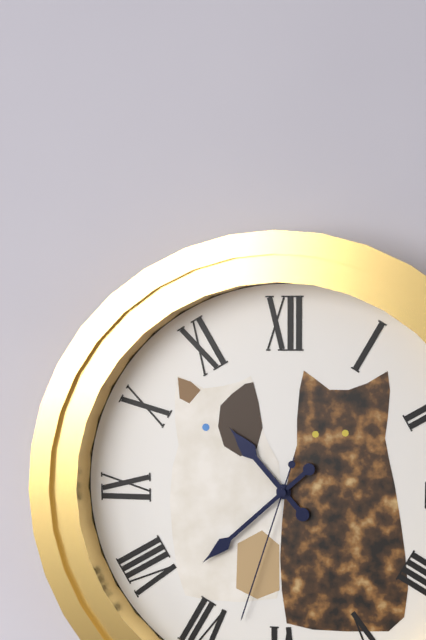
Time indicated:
10h38m33s
